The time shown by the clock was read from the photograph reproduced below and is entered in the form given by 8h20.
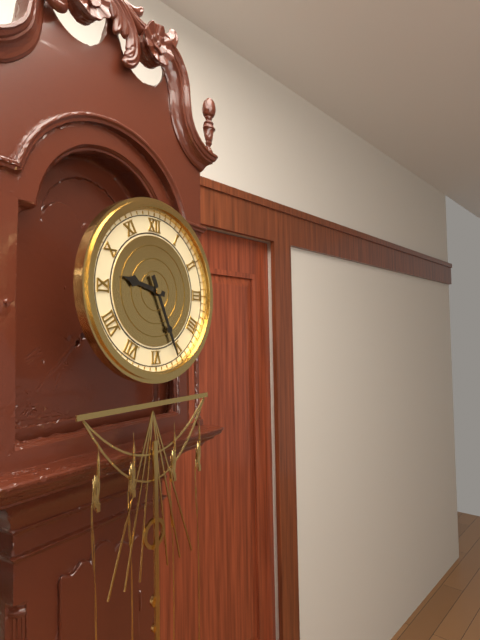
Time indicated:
9h26
